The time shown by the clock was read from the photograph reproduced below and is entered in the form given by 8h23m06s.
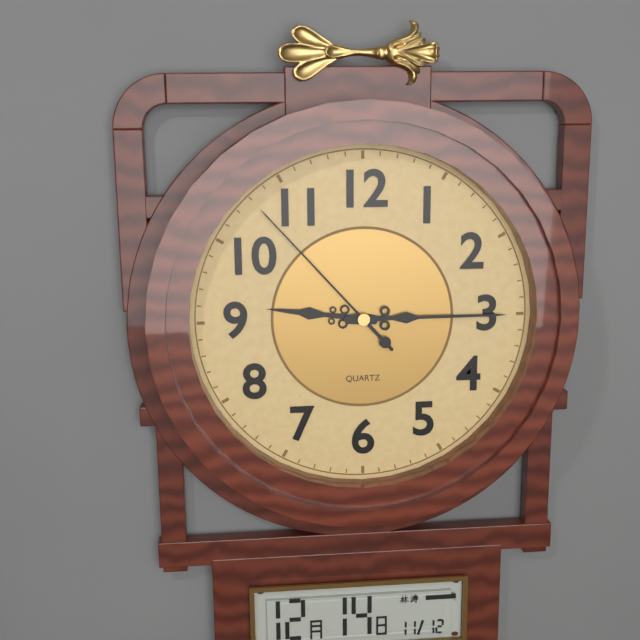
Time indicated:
9h15m53s
